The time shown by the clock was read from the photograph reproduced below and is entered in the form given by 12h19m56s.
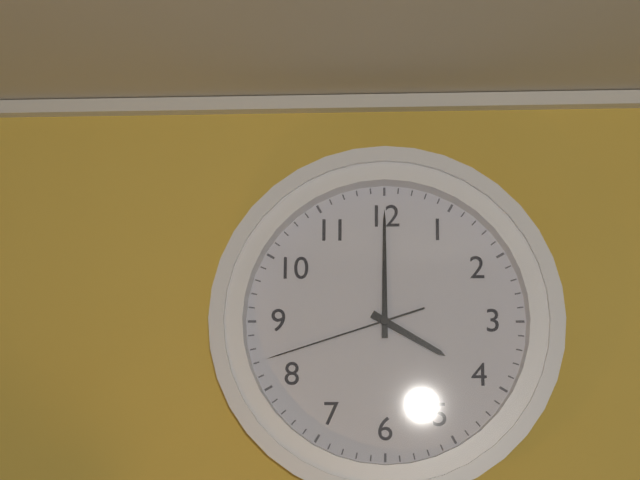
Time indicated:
4h00m42s
